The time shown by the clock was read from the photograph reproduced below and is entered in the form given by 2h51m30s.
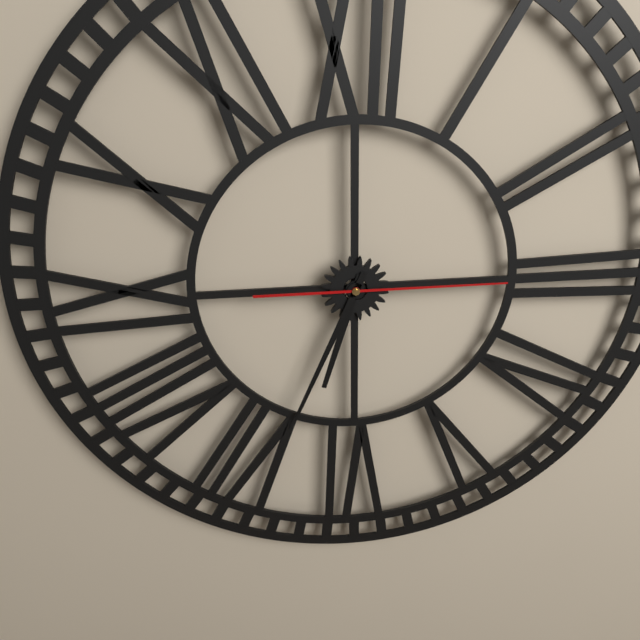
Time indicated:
6h34m15s
